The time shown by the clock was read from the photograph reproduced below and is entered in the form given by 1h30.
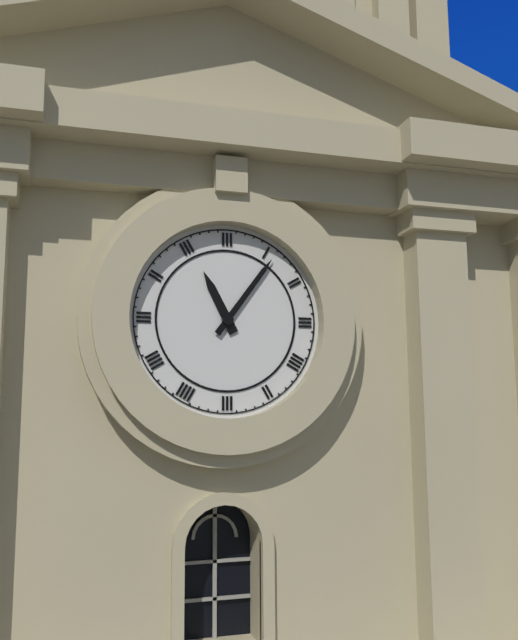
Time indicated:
11h06
